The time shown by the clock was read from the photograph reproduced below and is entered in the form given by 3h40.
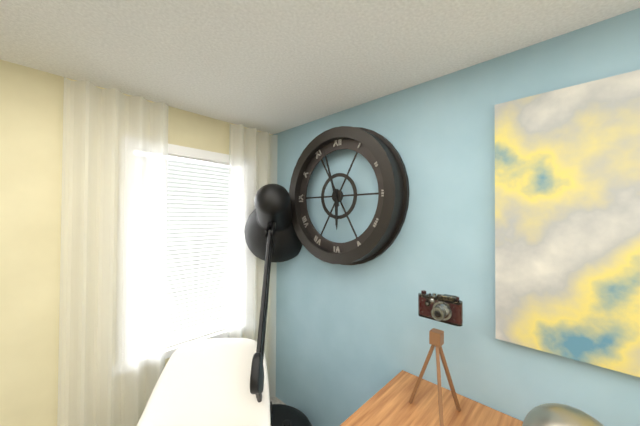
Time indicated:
5h57
